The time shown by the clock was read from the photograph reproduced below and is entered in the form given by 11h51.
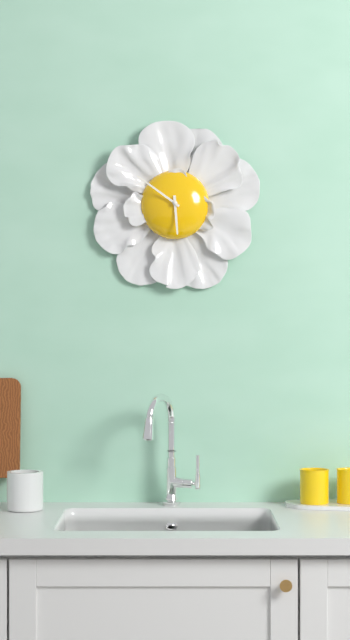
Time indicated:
5h51
